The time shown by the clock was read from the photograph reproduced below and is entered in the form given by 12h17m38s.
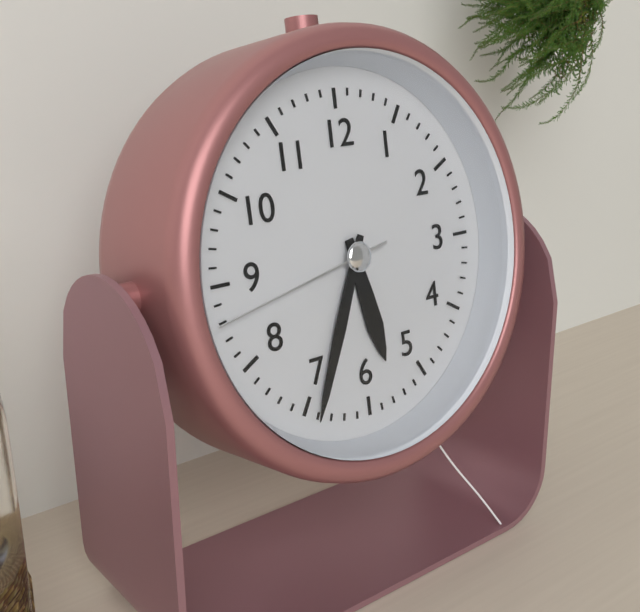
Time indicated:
5h34m43s
